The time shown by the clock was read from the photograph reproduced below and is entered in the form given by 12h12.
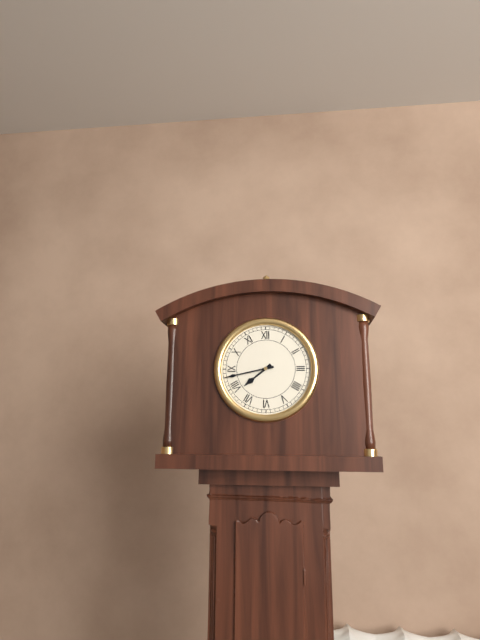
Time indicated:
7h43
